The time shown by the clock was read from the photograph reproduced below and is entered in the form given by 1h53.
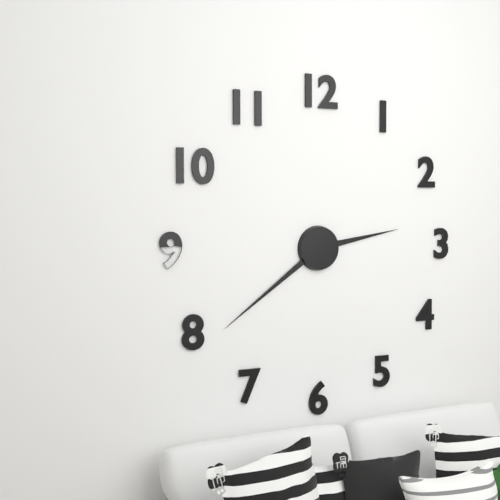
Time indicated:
2h39
